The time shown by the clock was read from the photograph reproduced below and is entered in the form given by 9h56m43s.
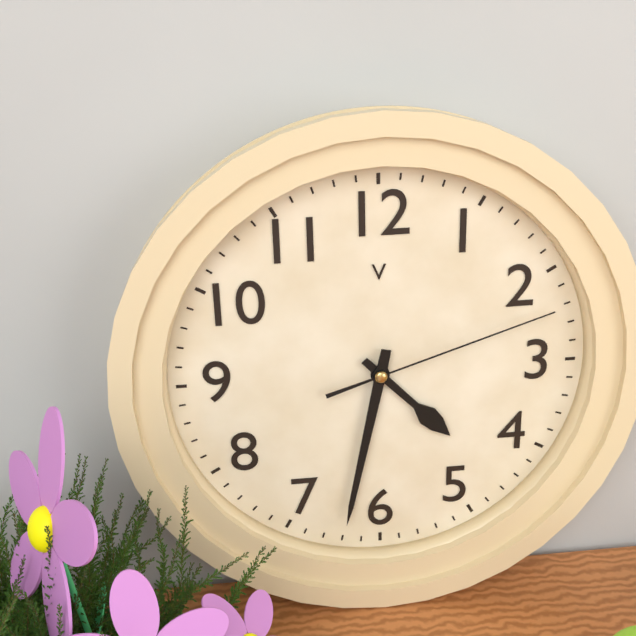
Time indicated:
4h32m12s
